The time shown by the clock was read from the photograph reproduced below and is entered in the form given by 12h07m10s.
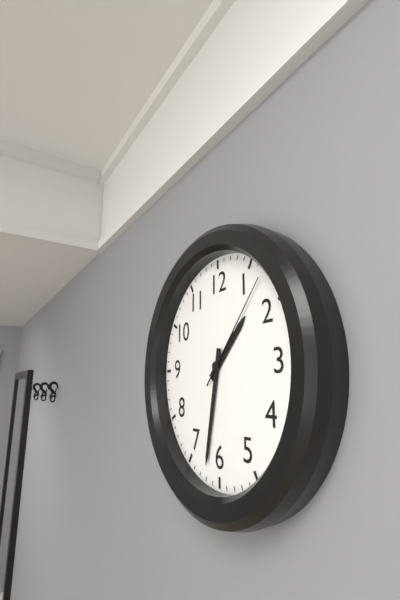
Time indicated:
1h32m07s
